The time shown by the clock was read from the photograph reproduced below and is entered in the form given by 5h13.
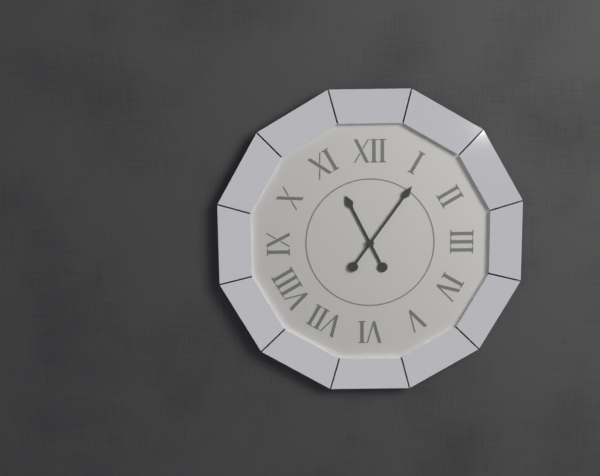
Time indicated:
11h06
